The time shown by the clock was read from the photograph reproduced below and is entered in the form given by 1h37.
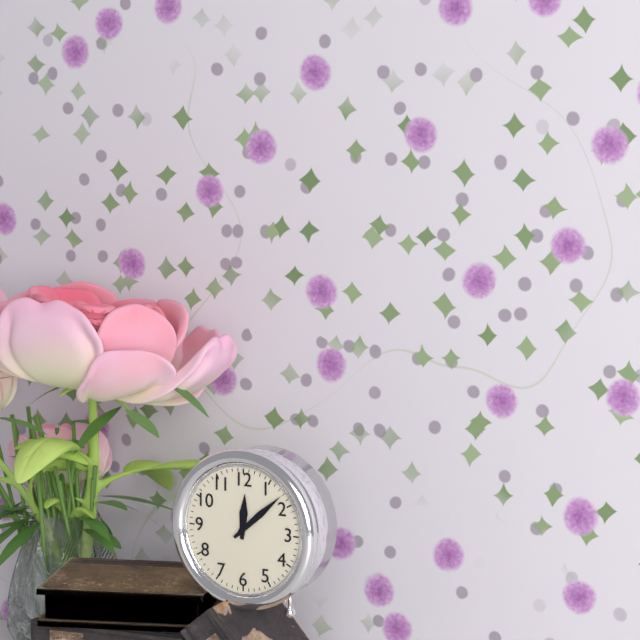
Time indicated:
12h08
